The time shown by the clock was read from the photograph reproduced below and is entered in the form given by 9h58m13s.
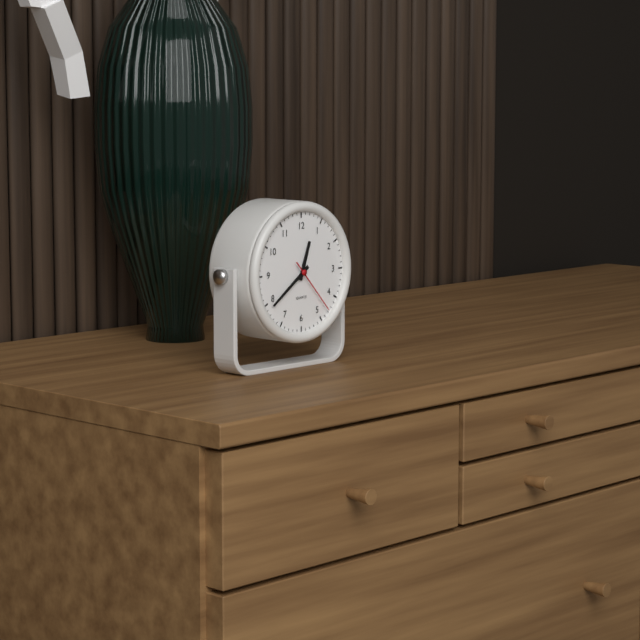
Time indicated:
12h39m23s
